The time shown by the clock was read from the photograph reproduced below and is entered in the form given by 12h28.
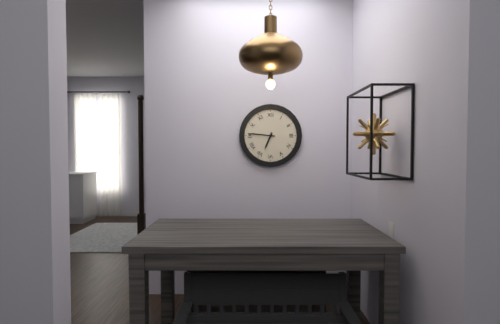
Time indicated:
6h46
